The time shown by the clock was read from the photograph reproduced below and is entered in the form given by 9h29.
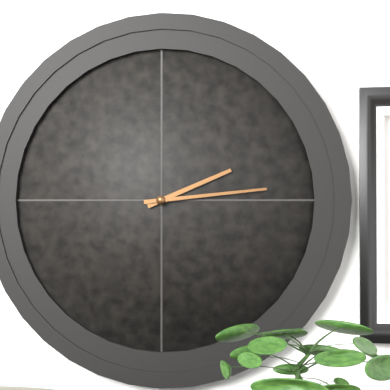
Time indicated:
2h14
